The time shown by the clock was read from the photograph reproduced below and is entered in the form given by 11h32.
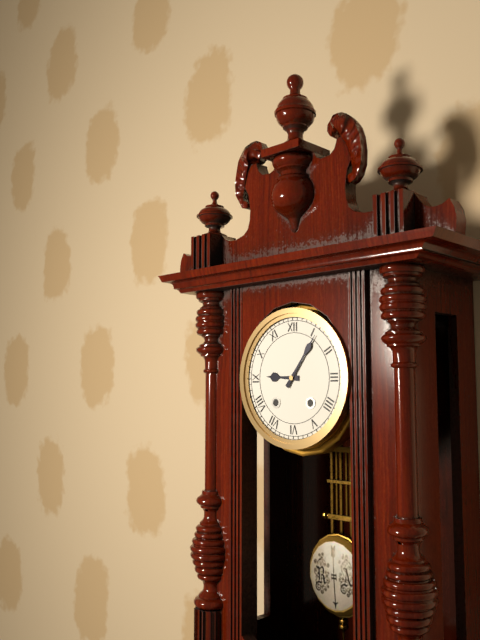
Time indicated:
9h06
